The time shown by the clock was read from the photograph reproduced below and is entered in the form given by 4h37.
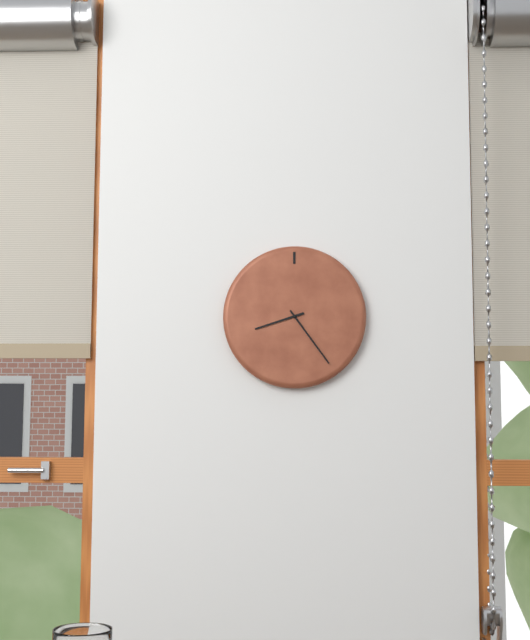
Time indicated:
8h24
